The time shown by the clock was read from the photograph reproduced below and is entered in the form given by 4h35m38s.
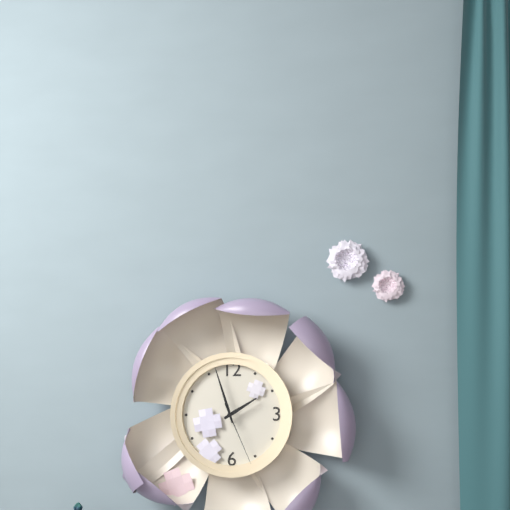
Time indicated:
1h57m26s
